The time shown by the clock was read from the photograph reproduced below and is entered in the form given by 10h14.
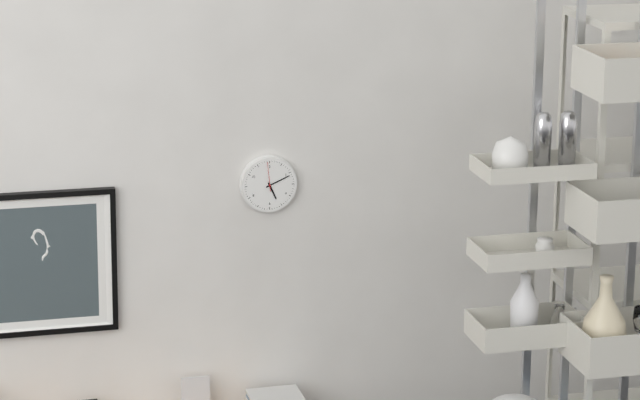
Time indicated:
5h11
